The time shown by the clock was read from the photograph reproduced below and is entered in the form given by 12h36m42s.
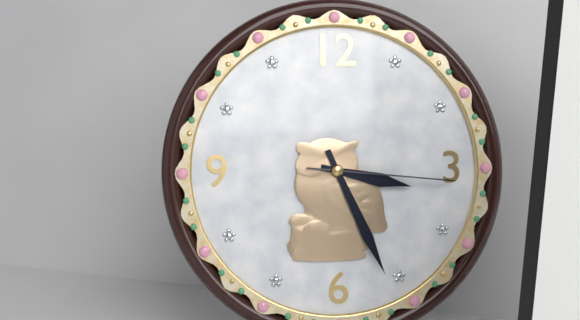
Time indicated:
3h26m16s
